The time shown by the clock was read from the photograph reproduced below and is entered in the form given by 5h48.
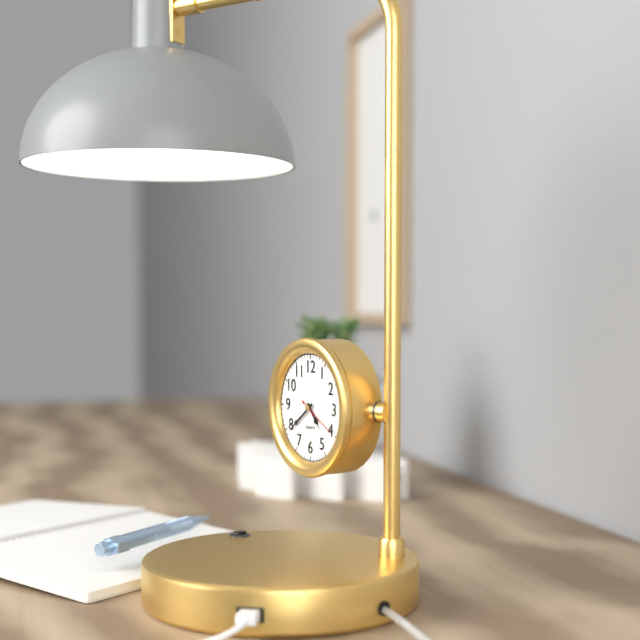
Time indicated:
4h39
